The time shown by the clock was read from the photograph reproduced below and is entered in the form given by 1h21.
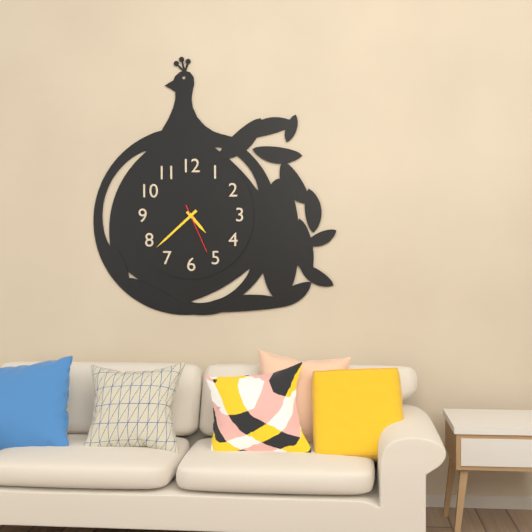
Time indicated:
4h38
